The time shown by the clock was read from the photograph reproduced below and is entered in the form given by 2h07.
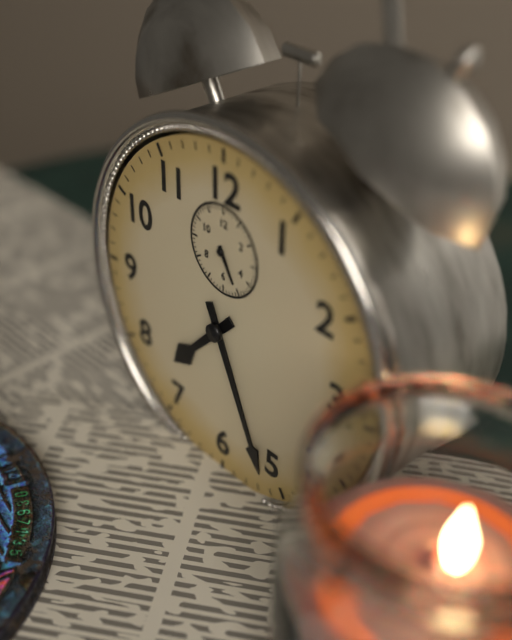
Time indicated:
7h26
